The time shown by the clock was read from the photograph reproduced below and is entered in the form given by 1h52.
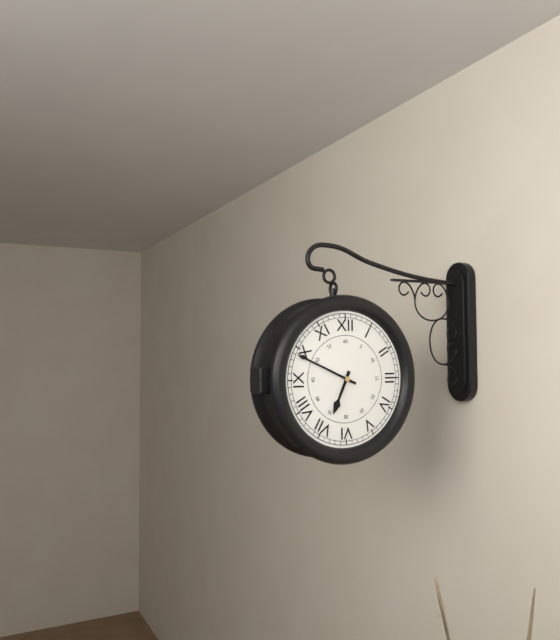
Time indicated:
6h49
